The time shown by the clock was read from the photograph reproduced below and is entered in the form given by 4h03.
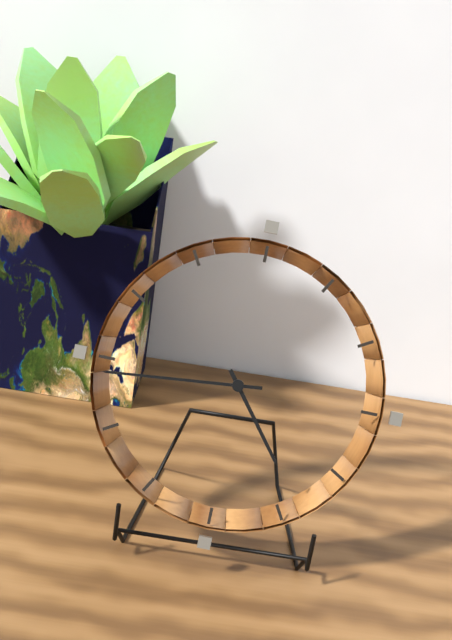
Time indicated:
4h44
